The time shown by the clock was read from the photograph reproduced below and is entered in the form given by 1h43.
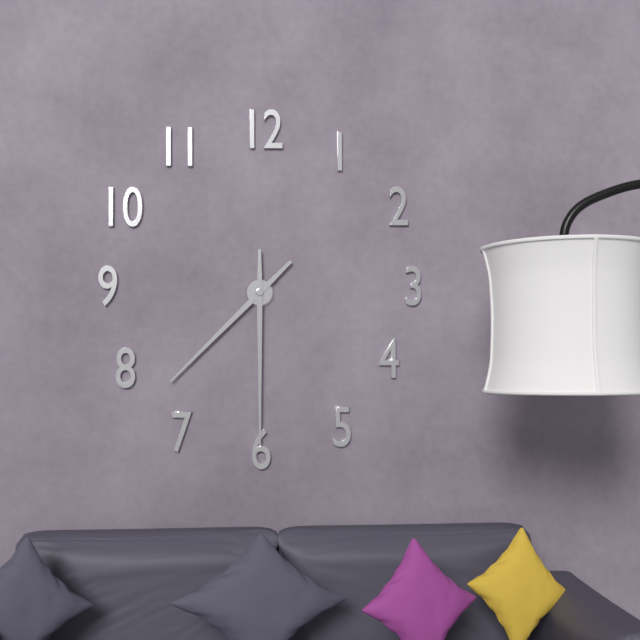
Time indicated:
7h30
